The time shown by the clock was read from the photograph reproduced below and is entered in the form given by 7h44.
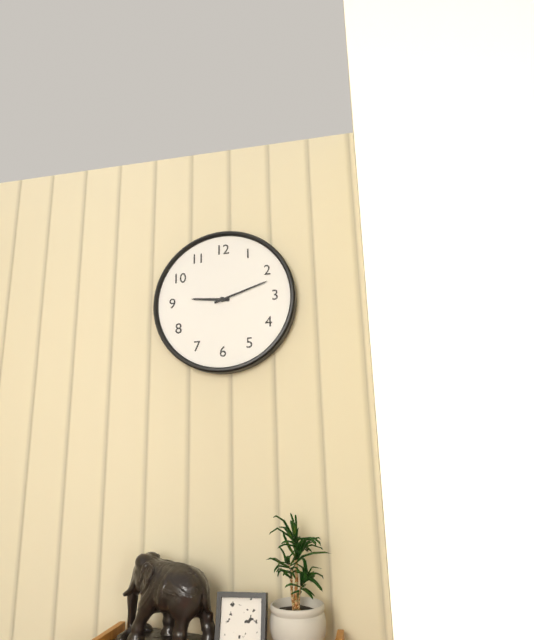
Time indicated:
9h12
